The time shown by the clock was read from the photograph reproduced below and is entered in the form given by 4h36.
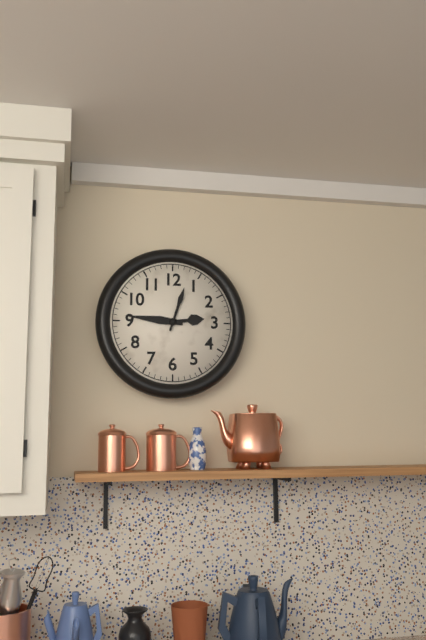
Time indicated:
2h46
